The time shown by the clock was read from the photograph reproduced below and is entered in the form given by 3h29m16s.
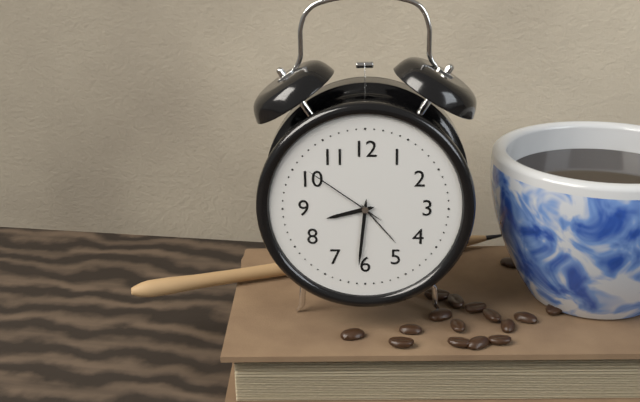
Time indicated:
8h31m51s
